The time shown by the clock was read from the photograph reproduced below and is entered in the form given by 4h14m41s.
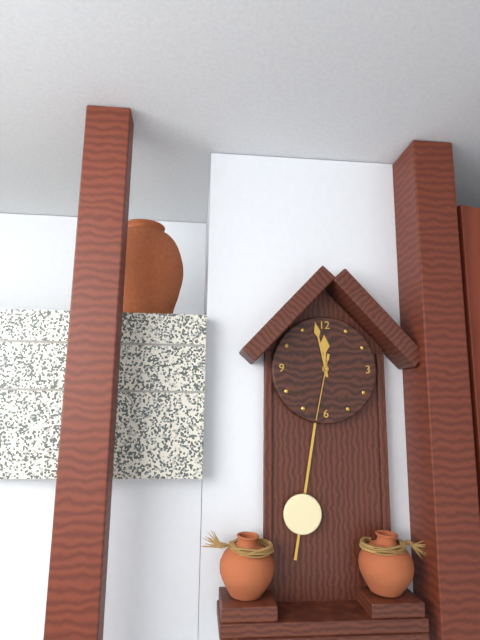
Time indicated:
11h58m32s
